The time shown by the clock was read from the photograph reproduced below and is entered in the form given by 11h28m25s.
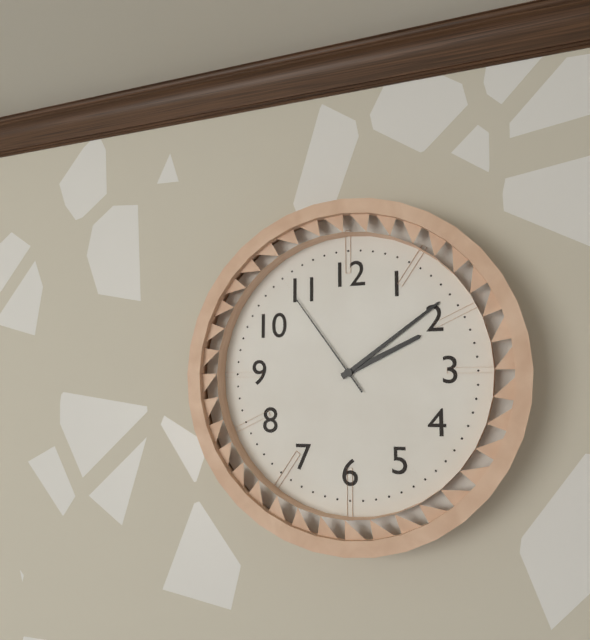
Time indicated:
2h09m54s
